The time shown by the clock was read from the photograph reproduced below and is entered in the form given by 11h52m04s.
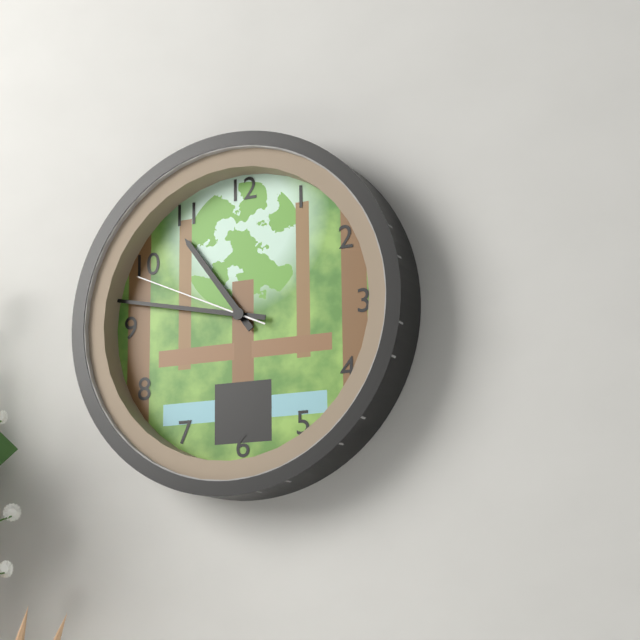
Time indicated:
10h47m49s
